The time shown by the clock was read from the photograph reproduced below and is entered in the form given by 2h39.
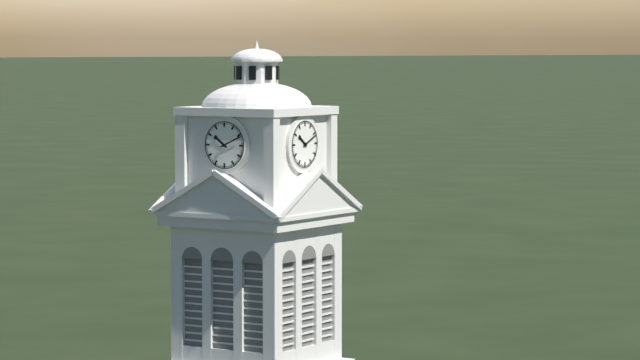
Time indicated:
10h11
